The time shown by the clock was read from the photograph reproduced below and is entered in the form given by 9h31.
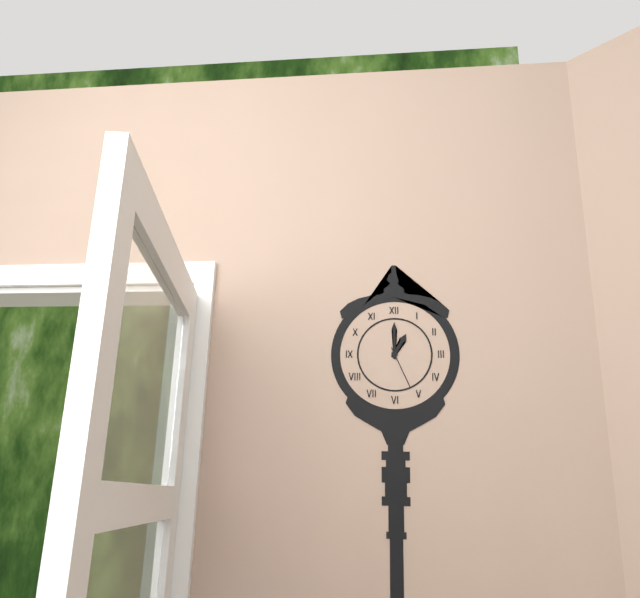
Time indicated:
1h00
